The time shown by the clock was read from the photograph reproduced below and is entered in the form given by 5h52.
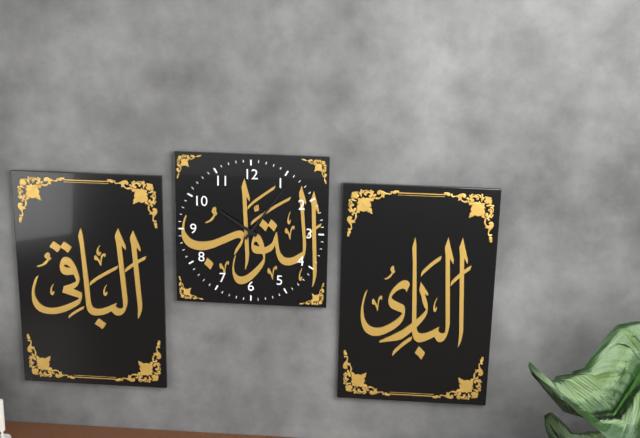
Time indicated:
10h06
